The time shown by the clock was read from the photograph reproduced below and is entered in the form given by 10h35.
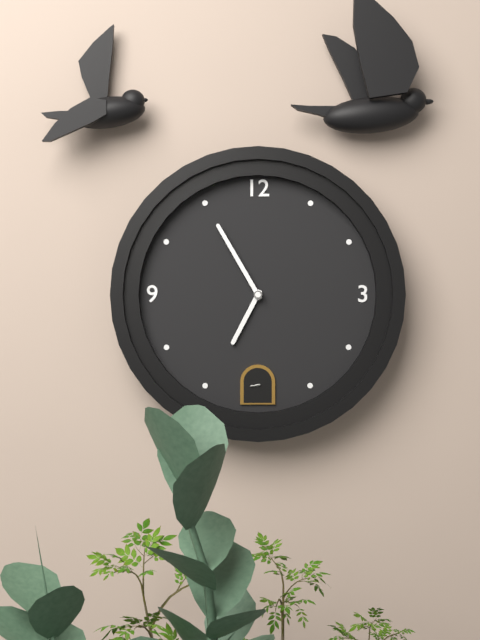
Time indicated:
6h55
